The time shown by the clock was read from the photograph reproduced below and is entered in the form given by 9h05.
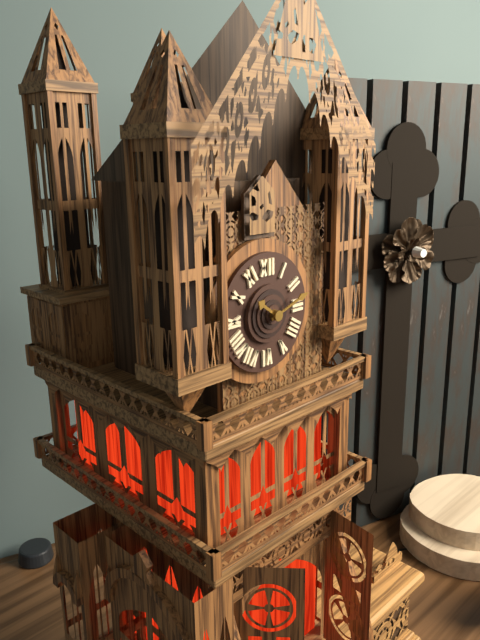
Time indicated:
10h12
